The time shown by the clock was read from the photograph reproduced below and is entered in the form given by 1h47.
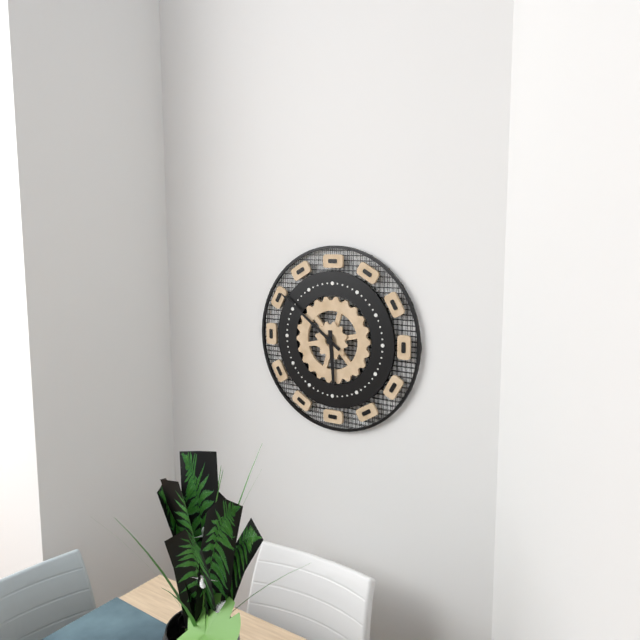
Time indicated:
5h51
